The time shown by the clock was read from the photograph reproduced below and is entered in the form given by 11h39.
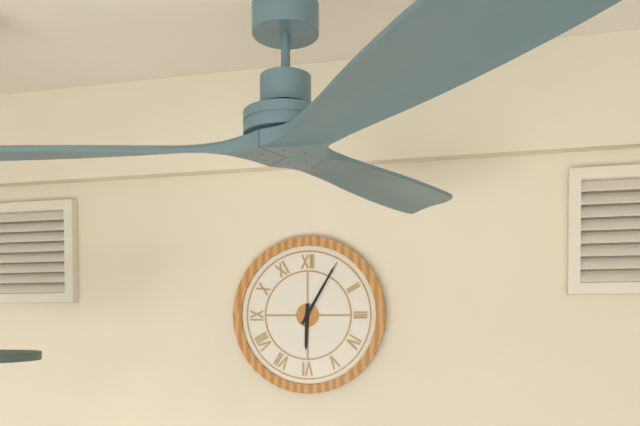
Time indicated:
6h05
